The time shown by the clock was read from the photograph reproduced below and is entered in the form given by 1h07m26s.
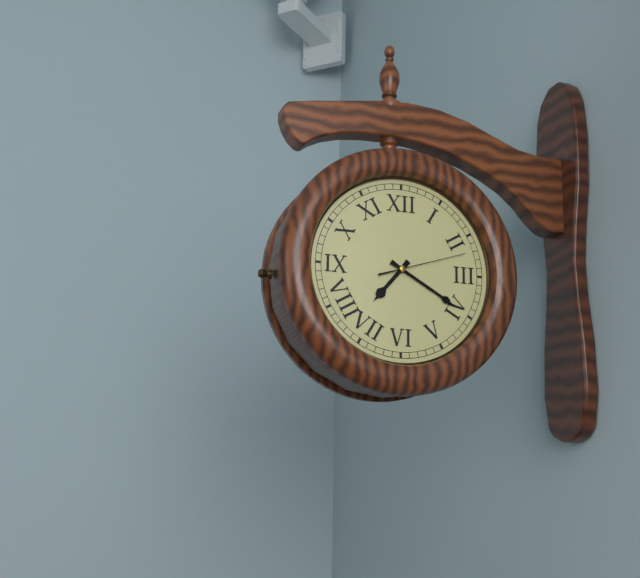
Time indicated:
7h20m12s
